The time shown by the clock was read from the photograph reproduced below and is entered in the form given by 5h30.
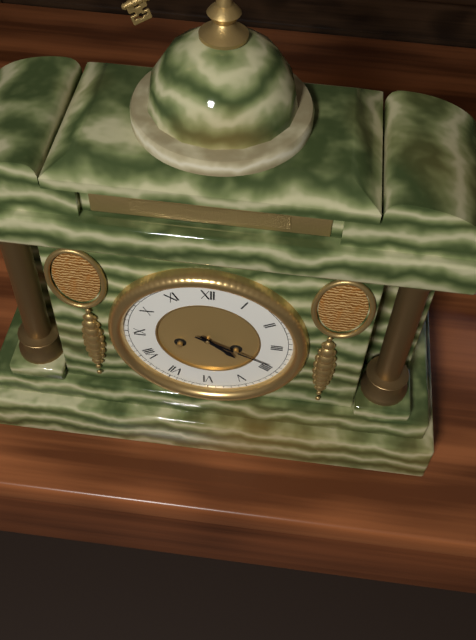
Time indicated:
4h19
